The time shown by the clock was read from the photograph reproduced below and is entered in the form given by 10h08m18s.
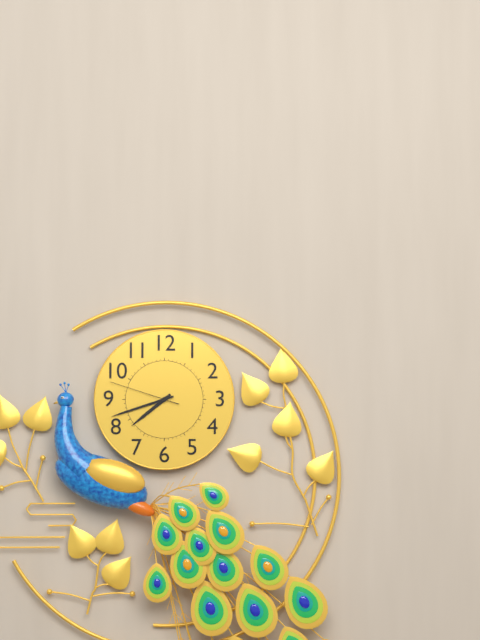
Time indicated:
7h42m48s
